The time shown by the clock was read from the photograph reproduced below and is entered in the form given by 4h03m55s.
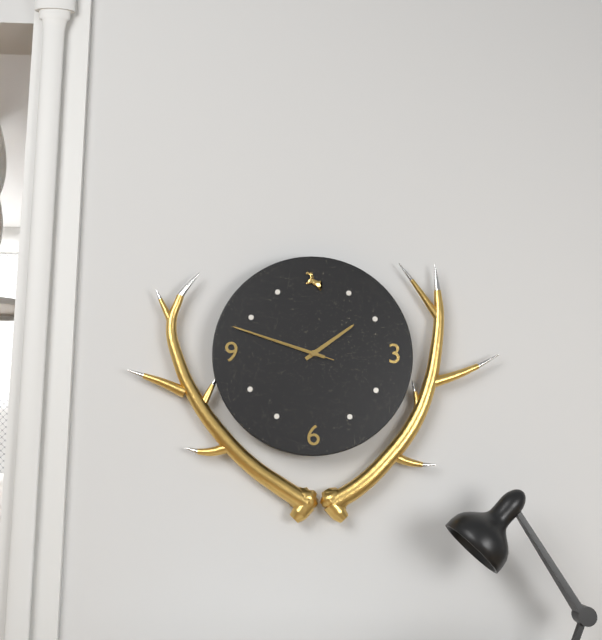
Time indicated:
1h48m48s
